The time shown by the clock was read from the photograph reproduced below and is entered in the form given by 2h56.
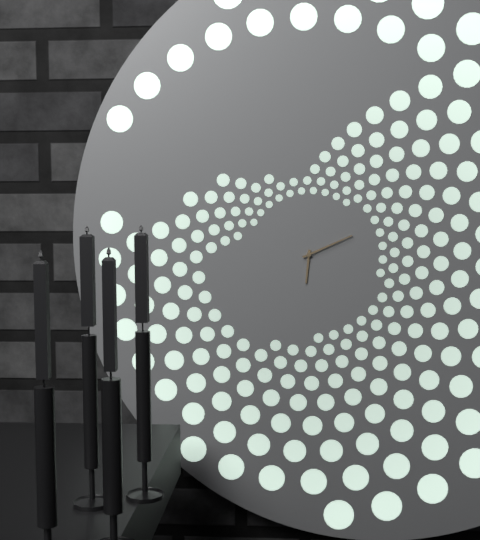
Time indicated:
6h11
